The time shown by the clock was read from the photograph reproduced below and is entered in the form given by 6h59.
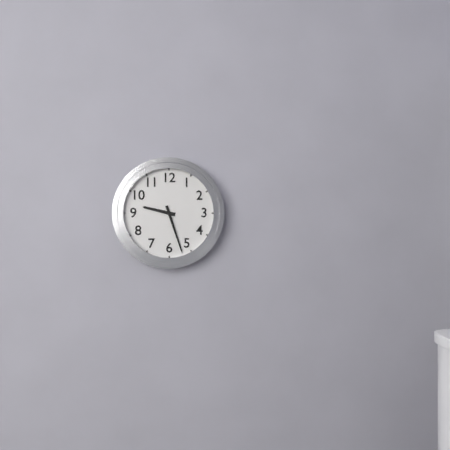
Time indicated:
9h27
